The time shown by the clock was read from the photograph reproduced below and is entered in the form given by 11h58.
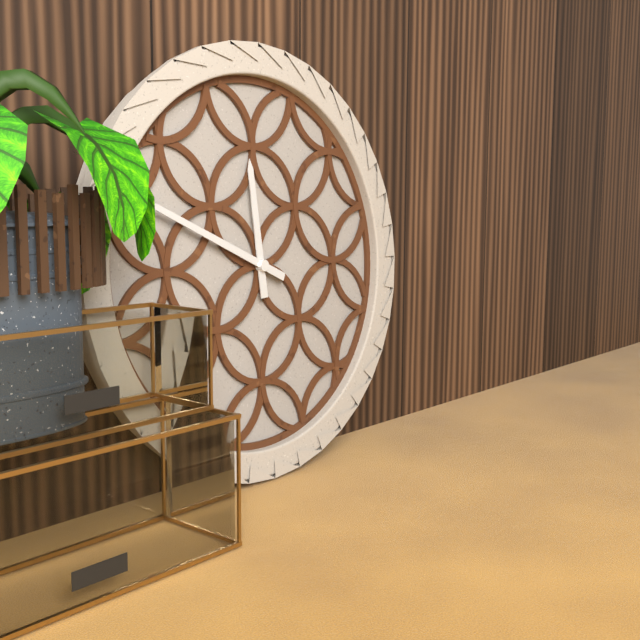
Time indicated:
11h49
